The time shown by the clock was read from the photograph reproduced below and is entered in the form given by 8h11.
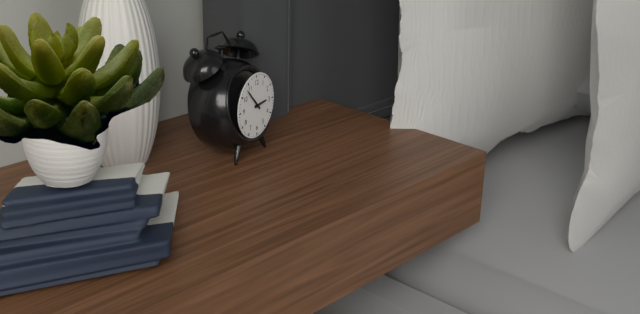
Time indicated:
2h53
